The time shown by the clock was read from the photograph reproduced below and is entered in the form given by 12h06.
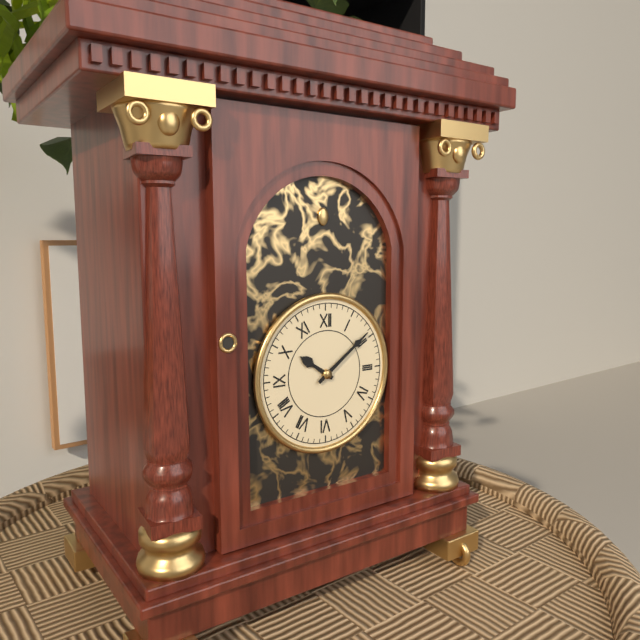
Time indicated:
10h09
